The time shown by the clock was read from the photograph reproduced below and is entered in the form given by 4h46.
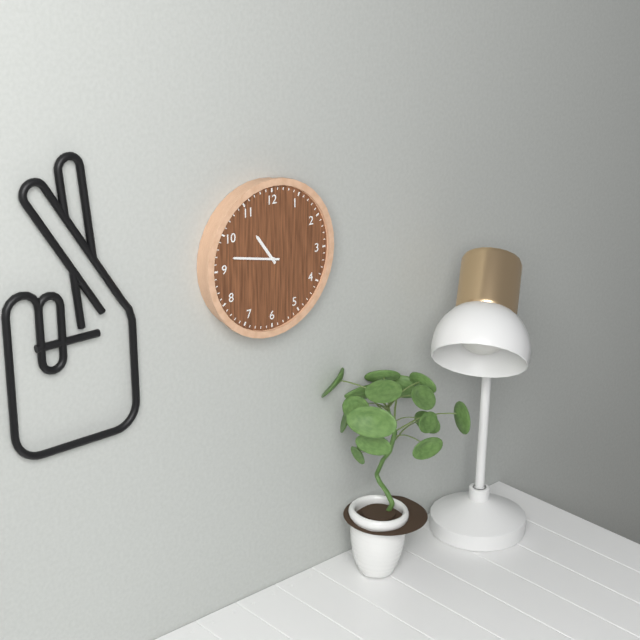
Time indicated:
10h47
